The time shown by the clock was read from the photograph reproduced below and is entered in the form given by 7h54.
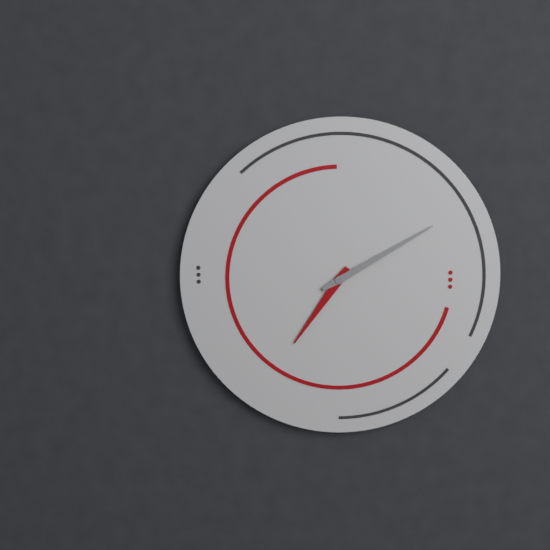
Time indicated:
7h10
